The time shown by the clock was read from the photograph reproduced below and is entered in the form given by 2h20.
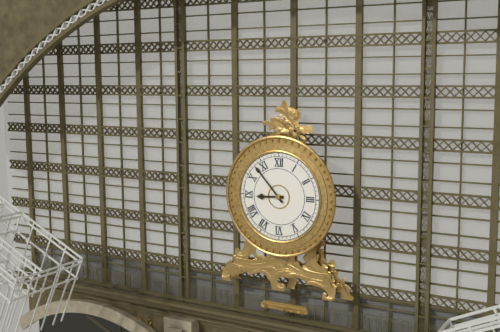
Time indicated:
8h53
